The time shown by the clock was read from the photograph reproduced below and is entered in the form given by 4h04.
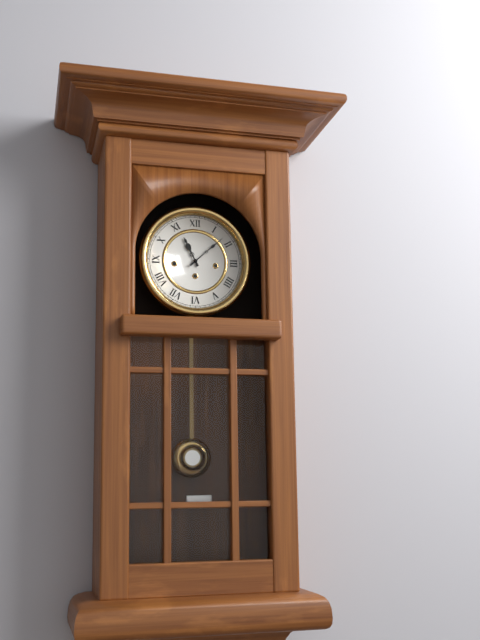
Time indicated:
11h08
